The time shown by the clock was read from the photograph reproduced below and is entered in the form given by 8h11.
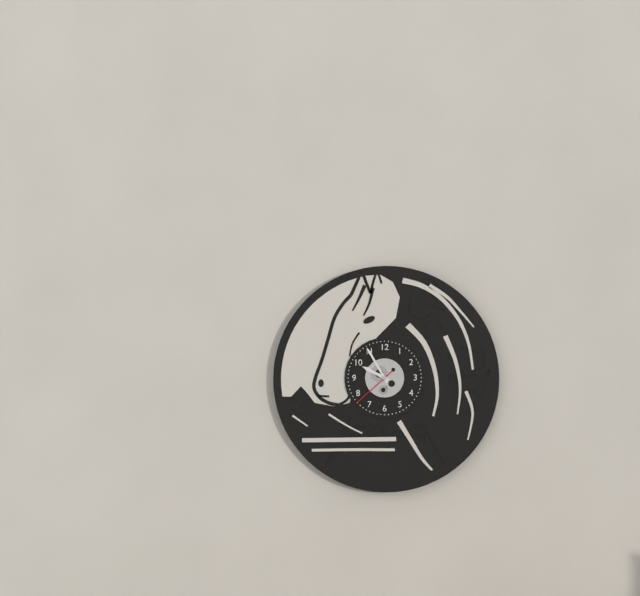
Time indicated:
9h55
